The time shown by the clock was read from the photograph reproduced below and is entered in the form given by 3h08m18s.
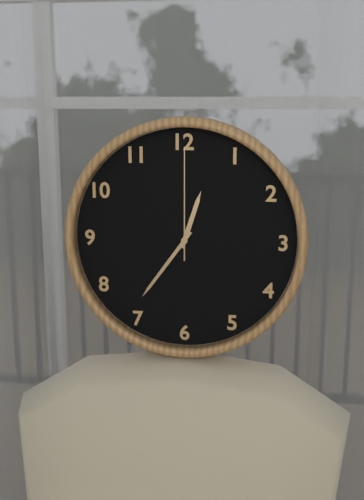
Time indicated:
12h36m00s
